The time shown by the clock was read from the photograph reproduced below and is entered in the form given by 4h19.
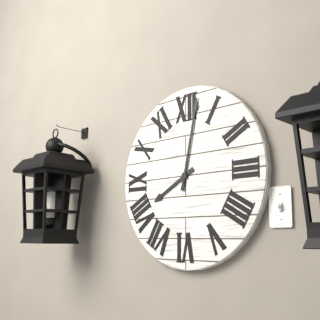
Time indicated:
8h02
